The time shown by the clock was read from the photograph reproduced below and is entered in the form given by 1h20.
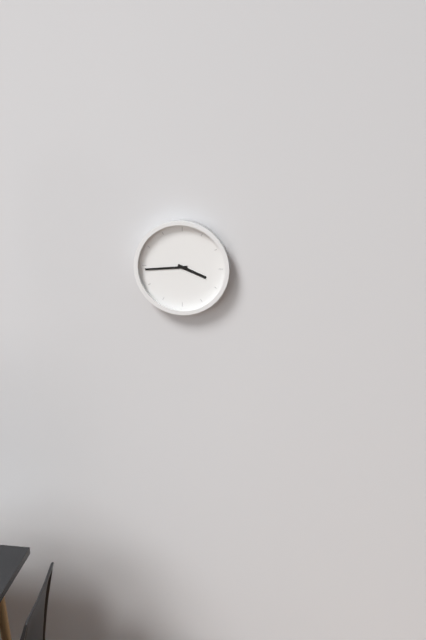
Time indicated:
3h44
